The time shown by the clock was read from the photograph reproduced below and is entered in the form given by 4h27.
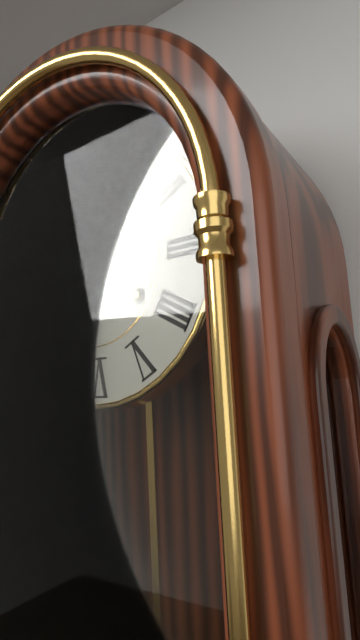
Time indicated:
8h41
